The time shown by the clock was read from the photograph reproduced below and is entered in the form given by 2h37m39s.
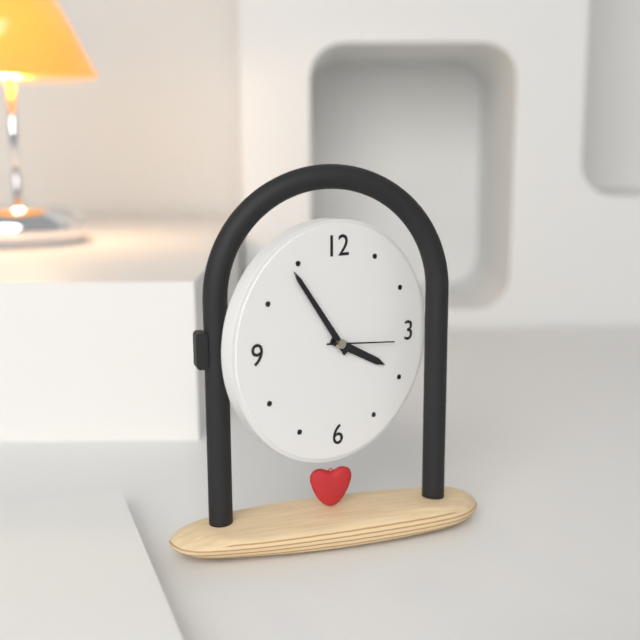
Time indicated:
3h54m16s
